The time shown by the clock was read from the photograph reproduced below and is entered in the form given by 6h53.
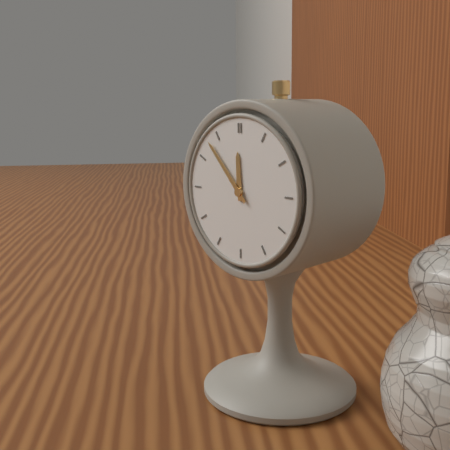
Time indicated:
11h53
